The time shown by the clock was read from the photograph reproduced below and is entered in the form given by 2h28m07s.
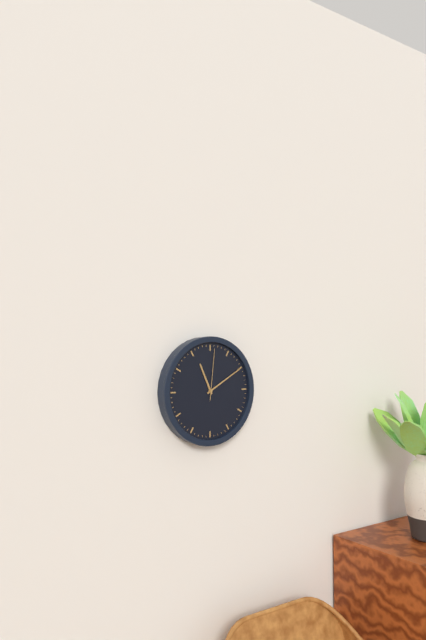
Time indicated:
11h10m01s
